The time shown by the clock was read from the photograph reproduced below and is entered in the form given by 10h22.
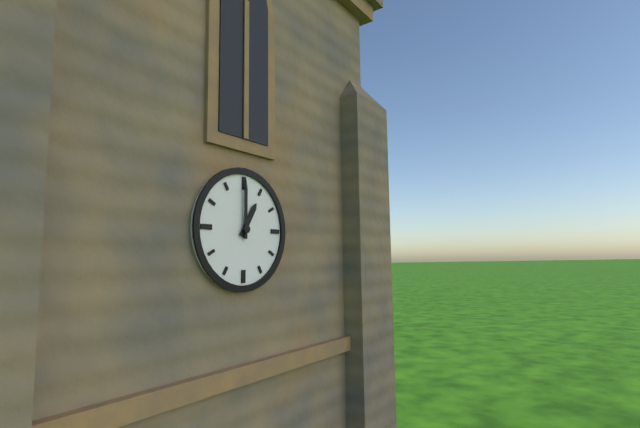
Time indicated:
1h00
